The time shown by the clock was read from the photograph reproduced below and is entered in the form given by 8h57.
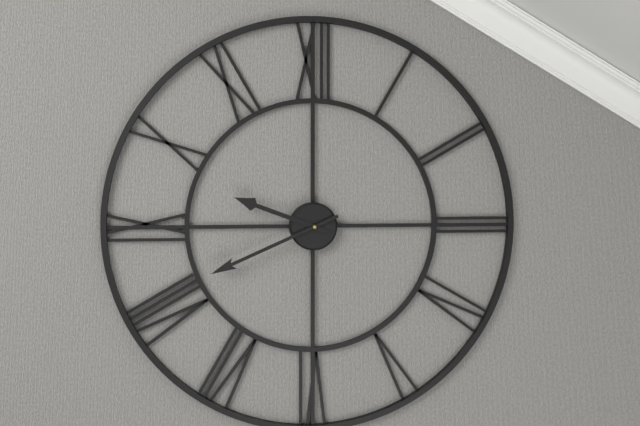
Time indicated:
9h41
